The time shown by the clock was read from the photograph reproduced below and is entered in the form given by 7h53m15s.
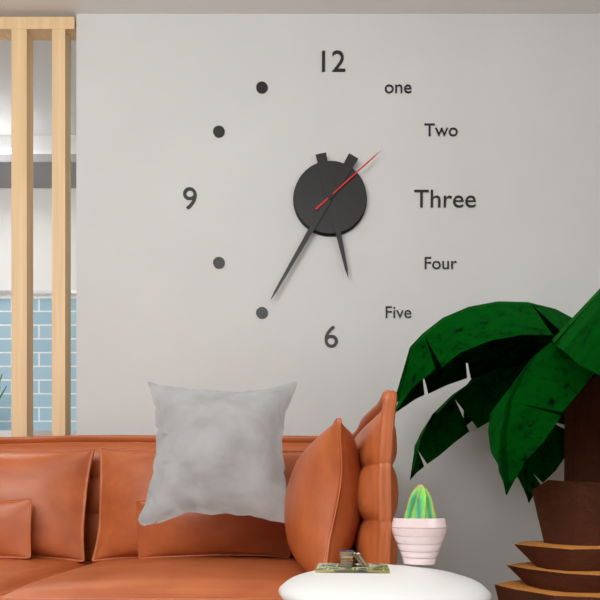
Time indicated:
5h35m08s
